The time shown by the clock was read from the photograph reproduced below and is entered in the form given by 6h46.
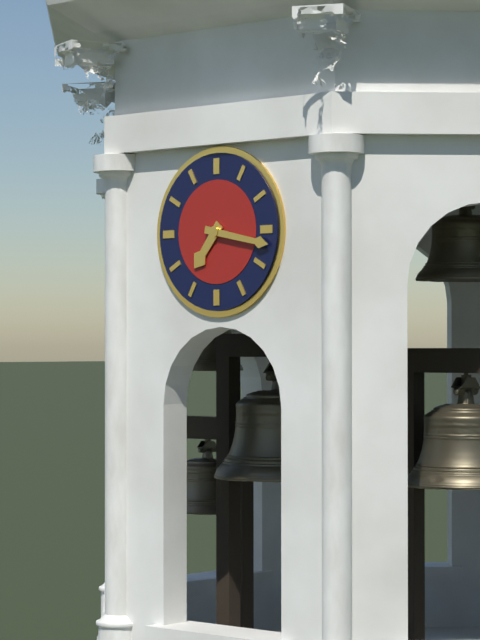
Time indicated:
7h17
